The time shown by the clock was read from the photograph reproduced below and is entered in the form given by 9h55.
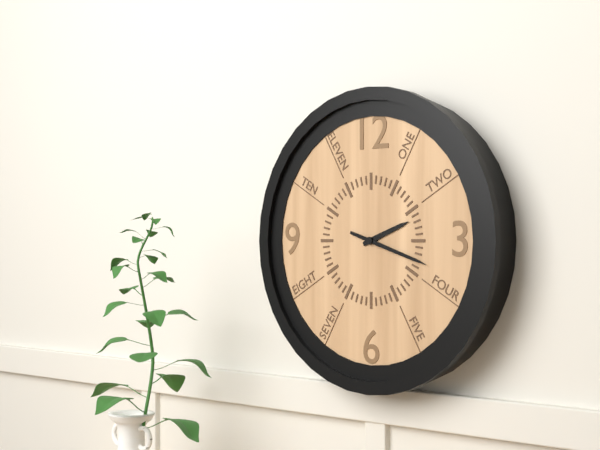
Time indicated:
2h18
